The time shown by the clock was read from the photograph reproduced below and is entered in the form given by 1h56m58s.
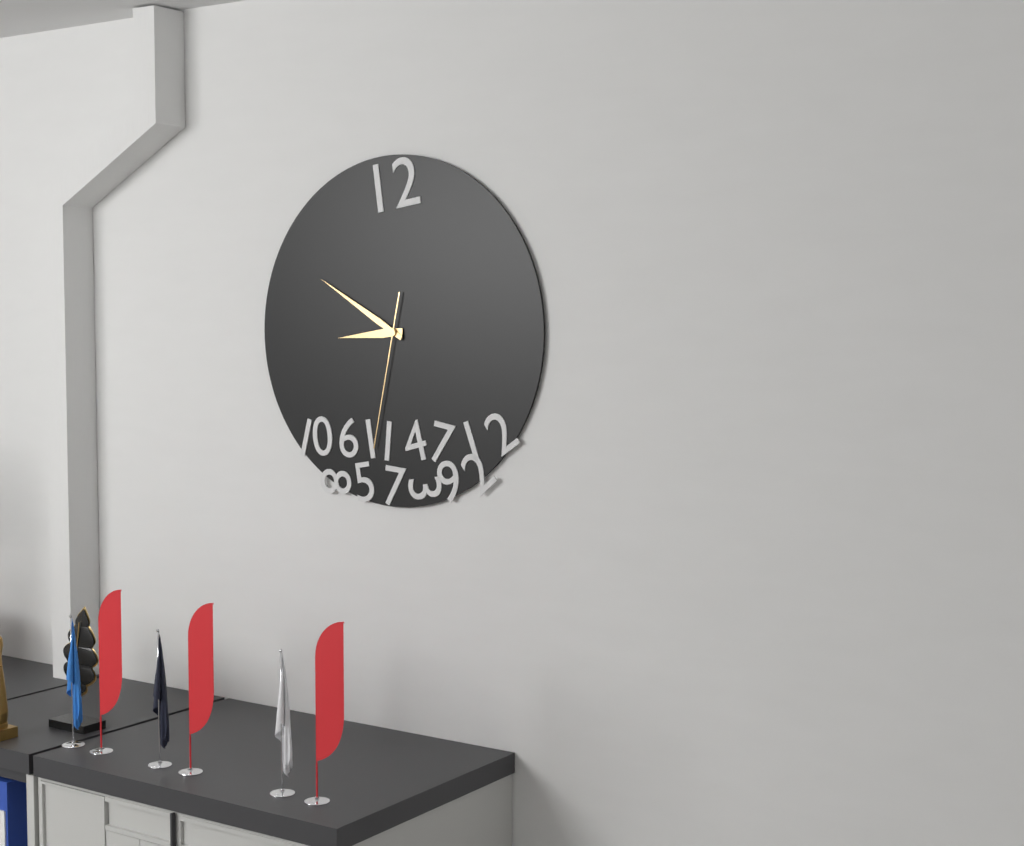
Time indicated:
8h50m32s
